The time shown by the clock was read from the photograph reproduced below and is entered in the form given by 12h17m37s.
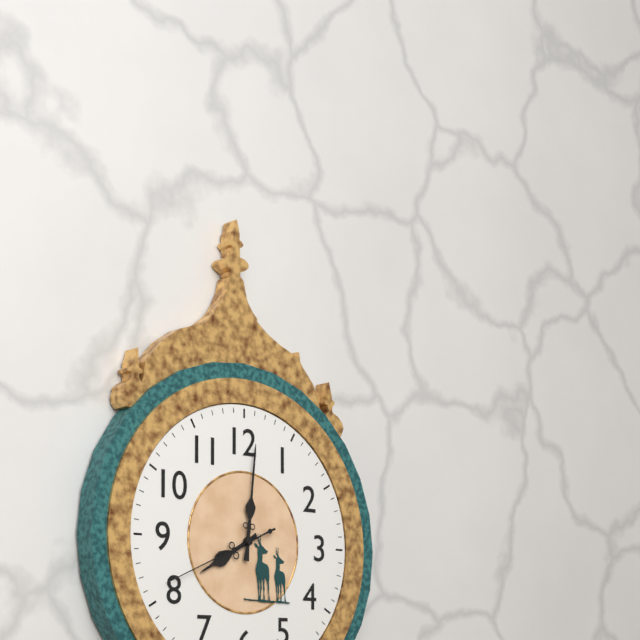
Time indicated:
8h01m41s
